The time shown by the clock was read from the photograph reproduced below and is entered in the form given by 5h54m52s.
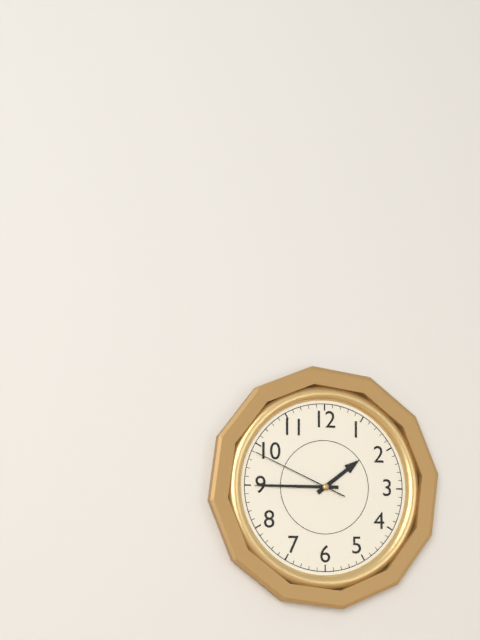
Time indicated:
1h45m49s
